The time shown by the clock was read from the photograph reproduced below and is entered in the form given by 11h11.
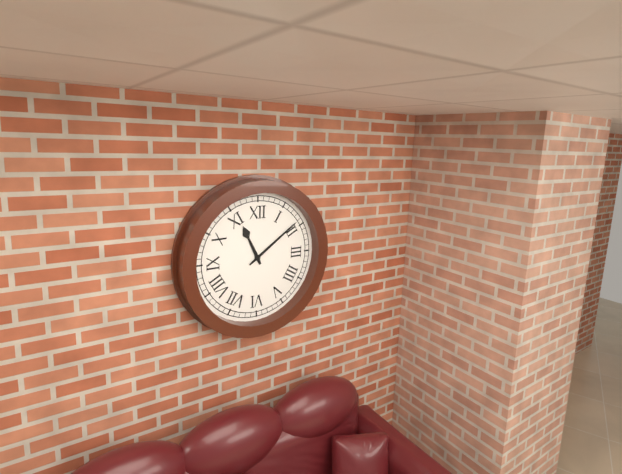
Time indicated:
11h09
